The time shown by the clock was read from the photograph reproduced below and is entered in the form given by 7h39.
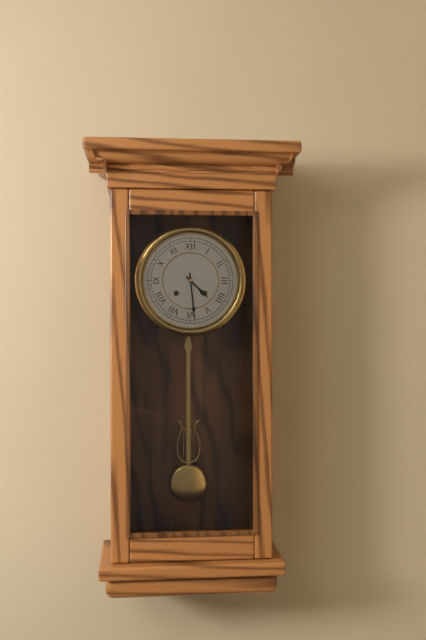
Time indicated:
4h29
